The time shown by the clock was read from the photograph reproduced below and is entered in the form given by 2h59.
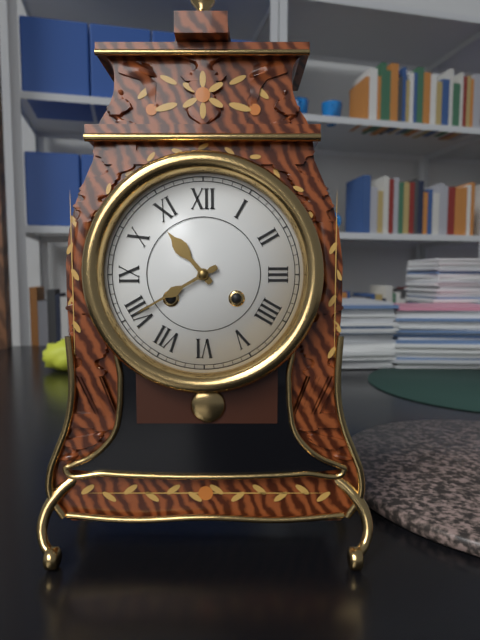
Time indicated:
10h40
